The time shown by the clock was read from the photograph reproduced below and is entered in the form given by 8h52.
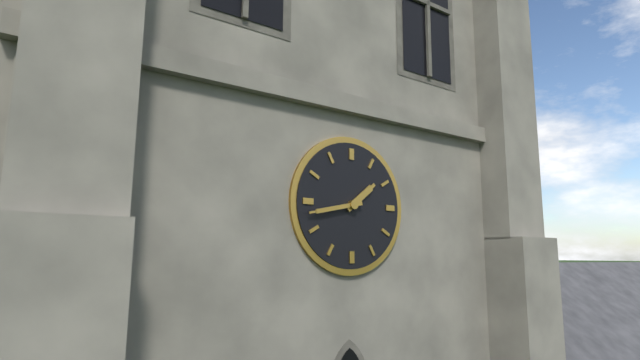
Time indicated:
1h43
